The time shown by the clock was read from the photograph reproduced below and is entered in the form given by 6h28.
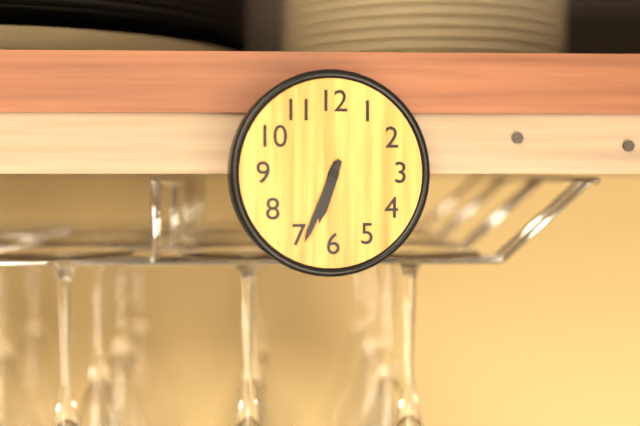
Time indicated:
6h34
